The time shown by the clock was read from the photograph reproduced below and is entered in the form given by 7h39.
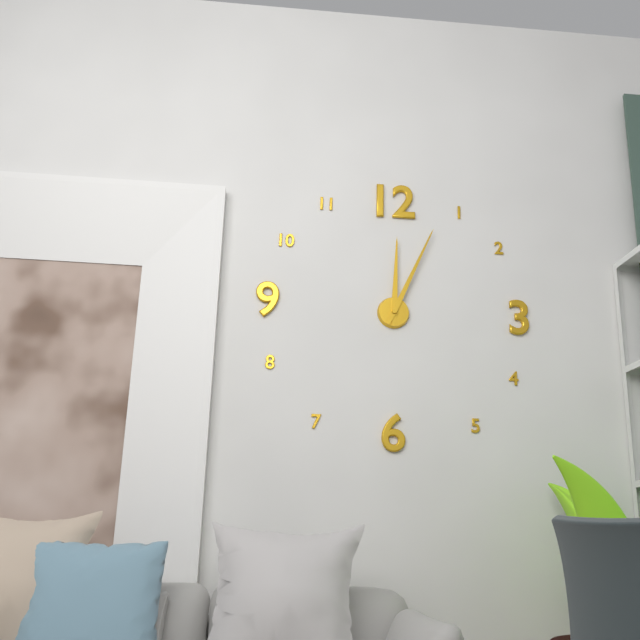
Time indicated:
12h04
